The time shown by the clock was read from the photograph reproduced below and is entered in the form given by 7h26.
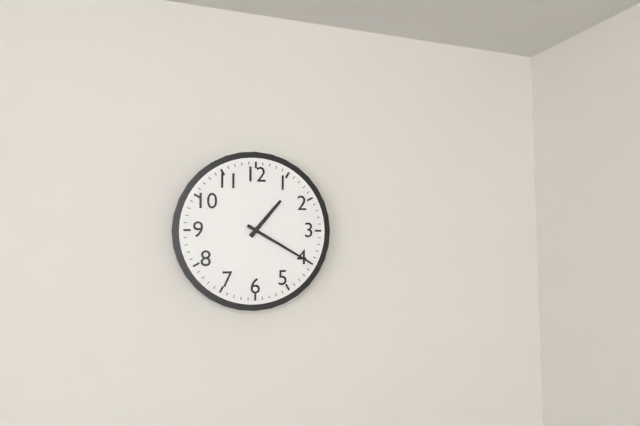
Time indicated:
1h20
